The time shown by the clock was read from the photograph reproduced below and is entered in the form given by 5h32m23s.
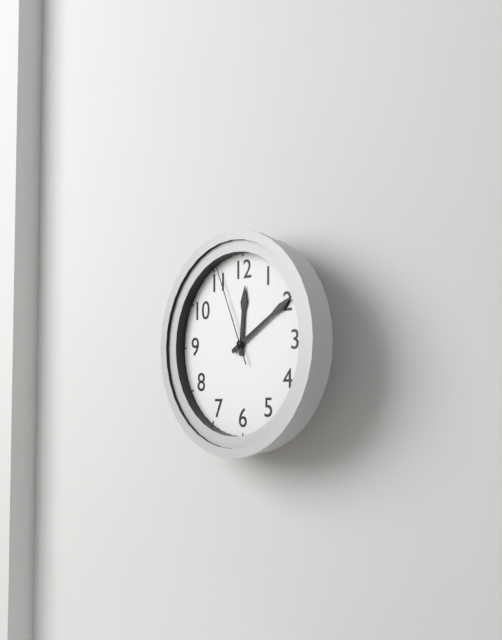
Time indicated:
12h10m56s
